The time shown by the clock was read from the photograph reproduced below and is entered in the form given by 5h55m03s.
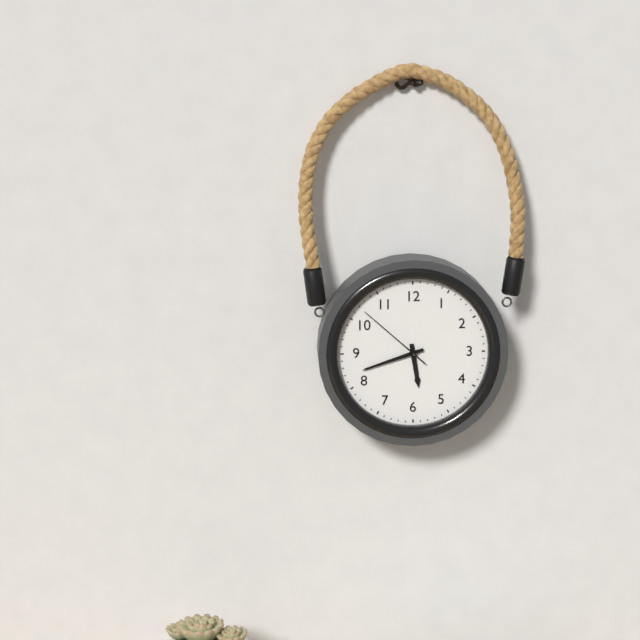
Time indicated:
5h42m52s
